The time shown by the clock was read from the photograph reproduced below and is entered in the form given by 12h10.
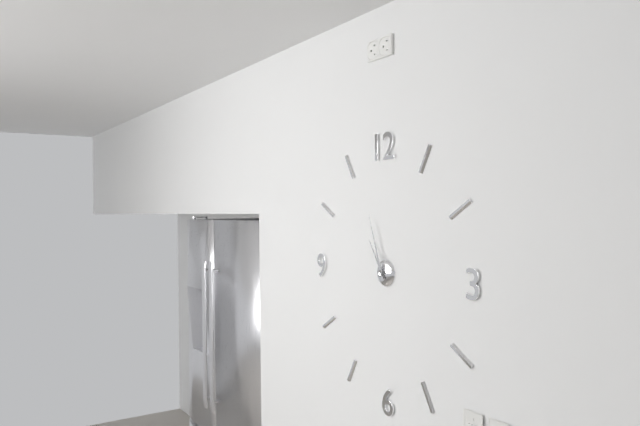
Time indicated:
10h57
